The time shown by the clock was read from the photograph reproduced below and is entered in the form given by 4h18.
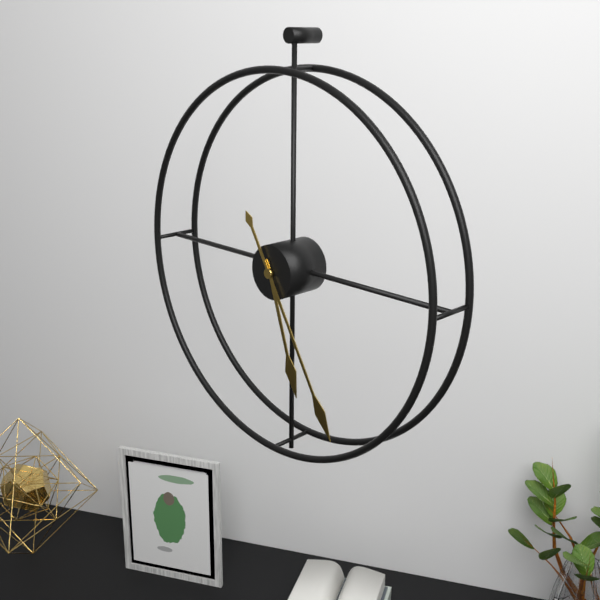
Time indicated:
5h25
